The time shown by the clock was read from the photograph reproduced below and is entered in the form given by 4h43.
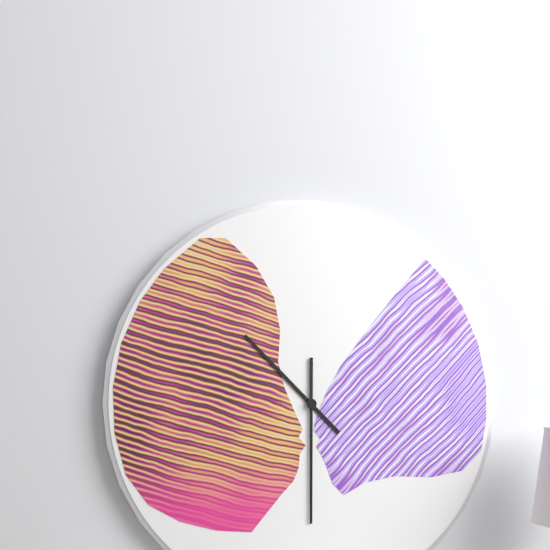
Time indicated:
10h30
